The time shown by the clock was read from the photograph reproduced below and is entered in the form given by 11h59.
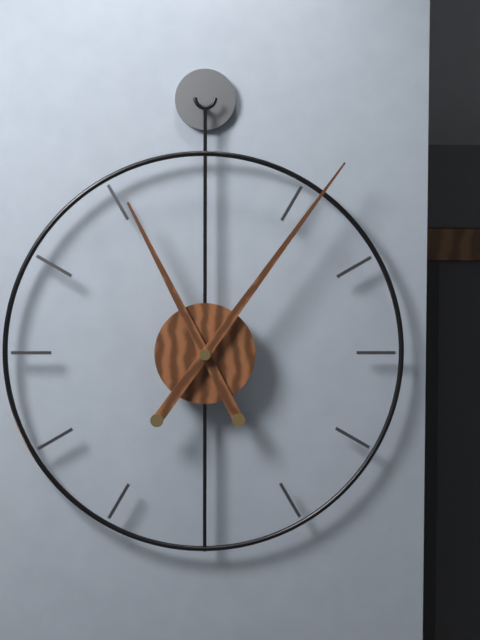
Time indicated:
11h06
